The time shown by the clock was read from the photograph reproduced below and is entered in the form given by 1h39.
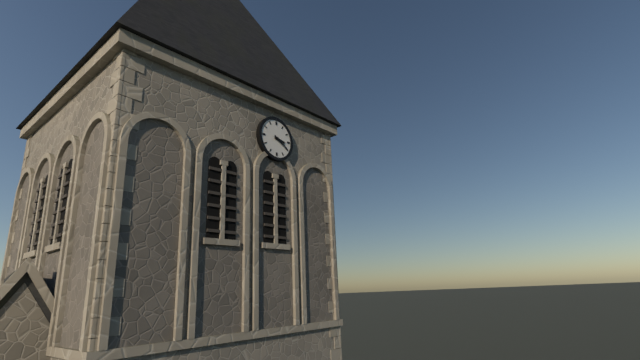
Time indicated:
3h20
